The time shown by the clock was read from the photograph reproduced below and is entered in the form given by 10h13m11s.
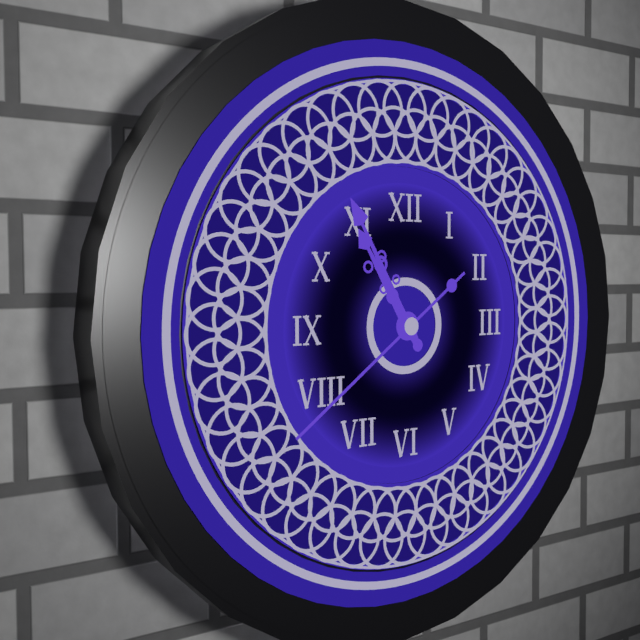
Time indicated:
10h55m39s
